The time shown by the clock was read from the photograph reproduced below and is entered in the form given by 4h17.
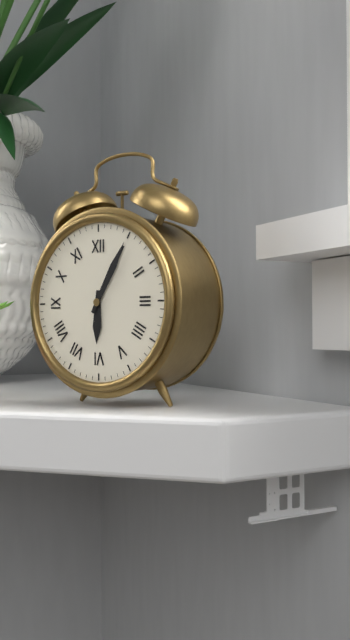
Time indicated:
6h05
